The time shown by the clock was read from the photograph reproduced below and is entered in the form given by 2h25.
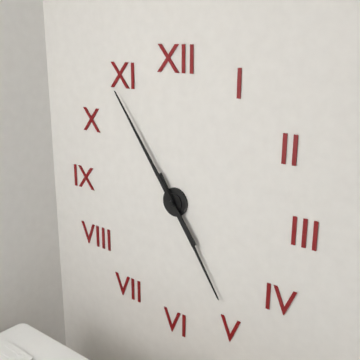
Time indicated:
4h54
